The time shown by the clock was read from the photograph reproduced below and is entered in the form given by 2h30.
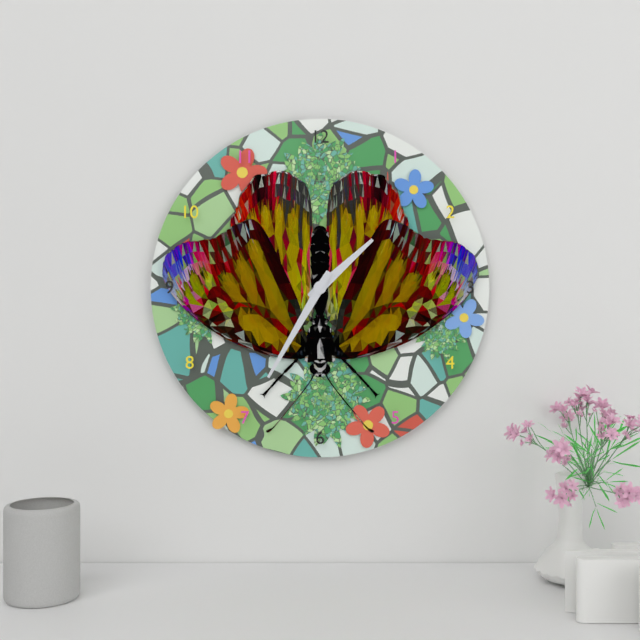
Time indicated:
1h35
